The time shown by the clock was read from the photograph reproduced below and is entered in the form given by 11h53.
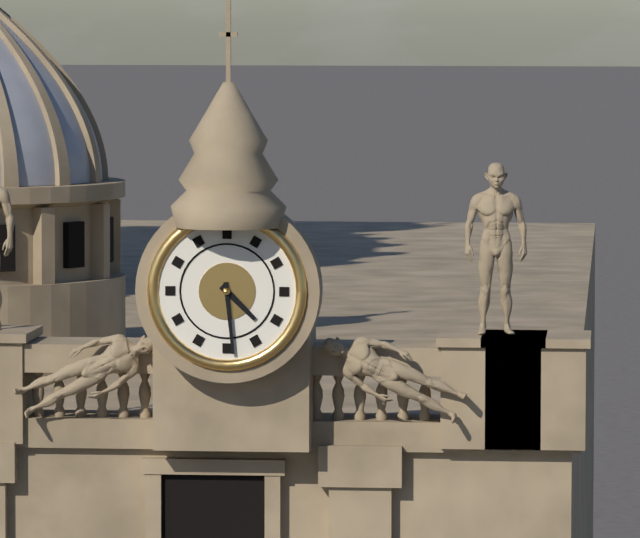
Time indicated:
4h29
